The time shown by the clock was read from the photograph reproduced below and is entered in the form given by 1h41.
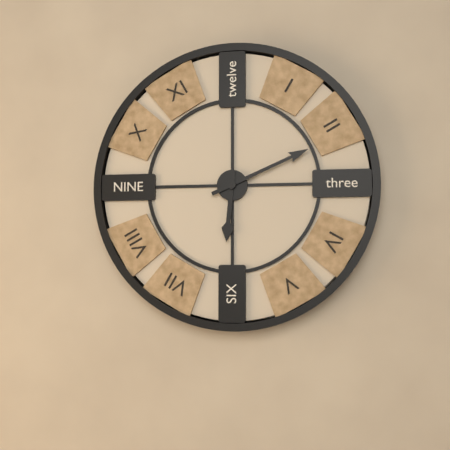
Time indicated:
6h11
